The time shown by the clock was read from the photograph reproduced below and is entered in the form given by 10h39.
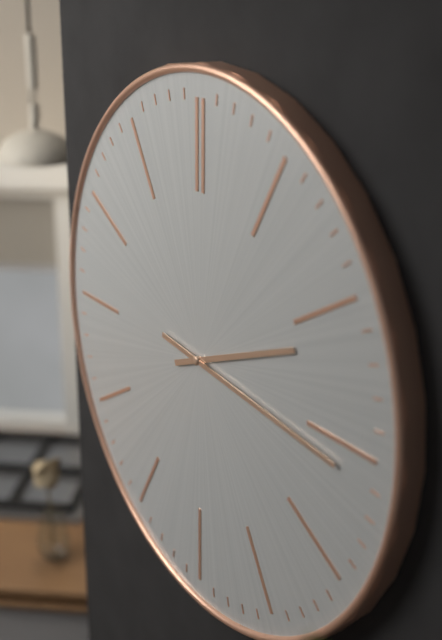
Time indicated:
2h16
